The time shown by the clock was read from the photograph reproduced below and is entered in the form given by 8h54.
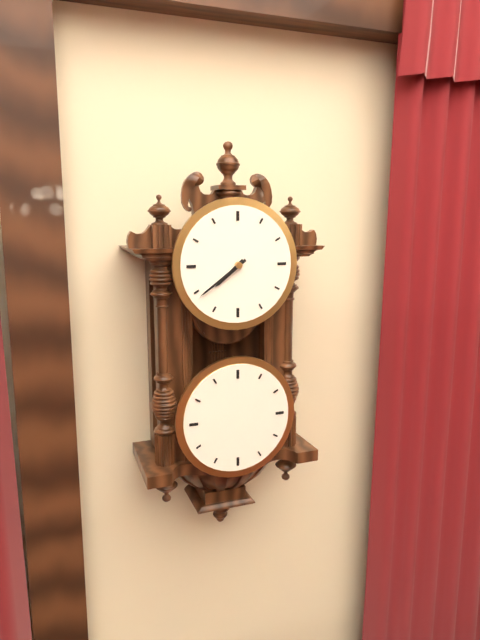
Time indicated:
7h39
